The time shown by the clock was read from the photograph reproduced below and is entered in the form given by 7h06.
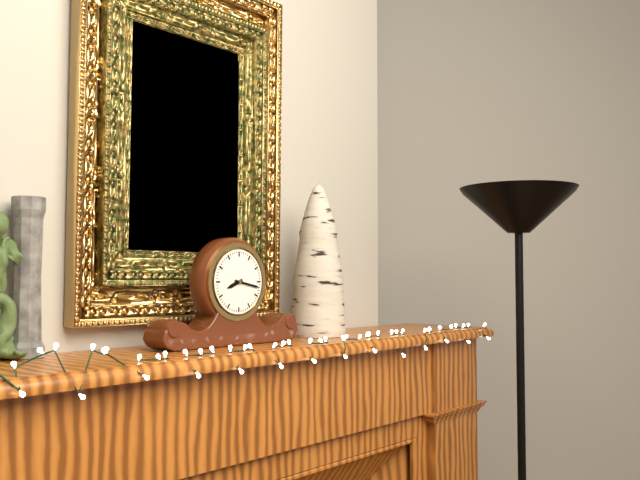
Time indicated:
8h17
